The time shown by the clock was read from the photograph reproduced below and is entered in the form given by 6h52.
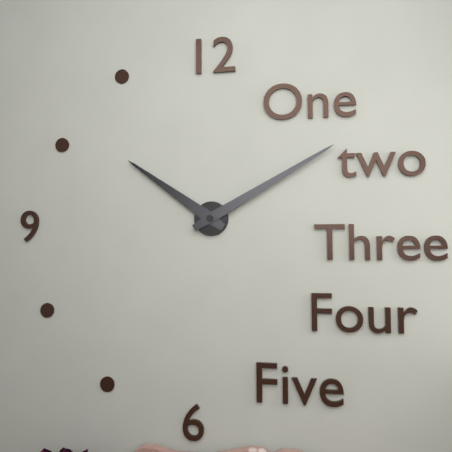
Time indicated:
10h10
